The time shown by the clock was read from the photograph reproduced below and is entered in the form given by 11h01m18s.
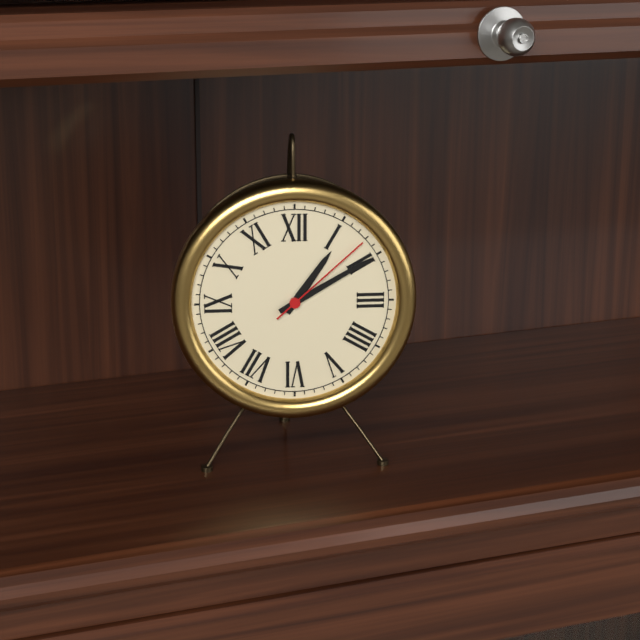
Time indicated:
1h10m08s
